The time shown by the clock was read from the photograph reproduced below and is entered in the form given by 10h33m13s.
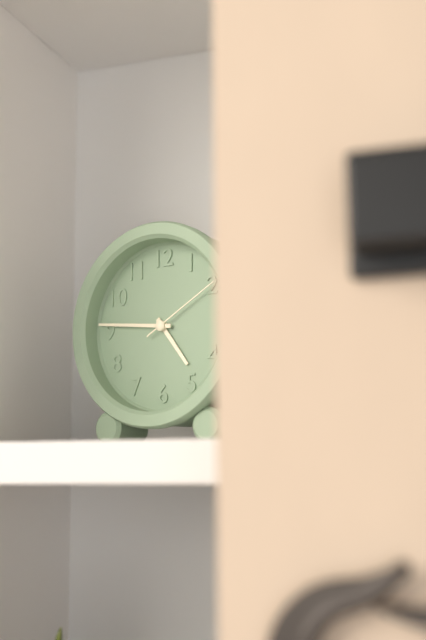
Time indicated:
4h46m10s
